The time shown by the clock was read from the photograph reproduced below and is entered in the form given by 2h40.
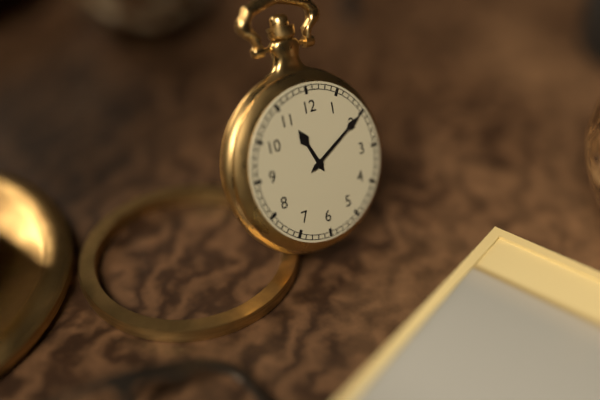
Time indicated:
11h10
